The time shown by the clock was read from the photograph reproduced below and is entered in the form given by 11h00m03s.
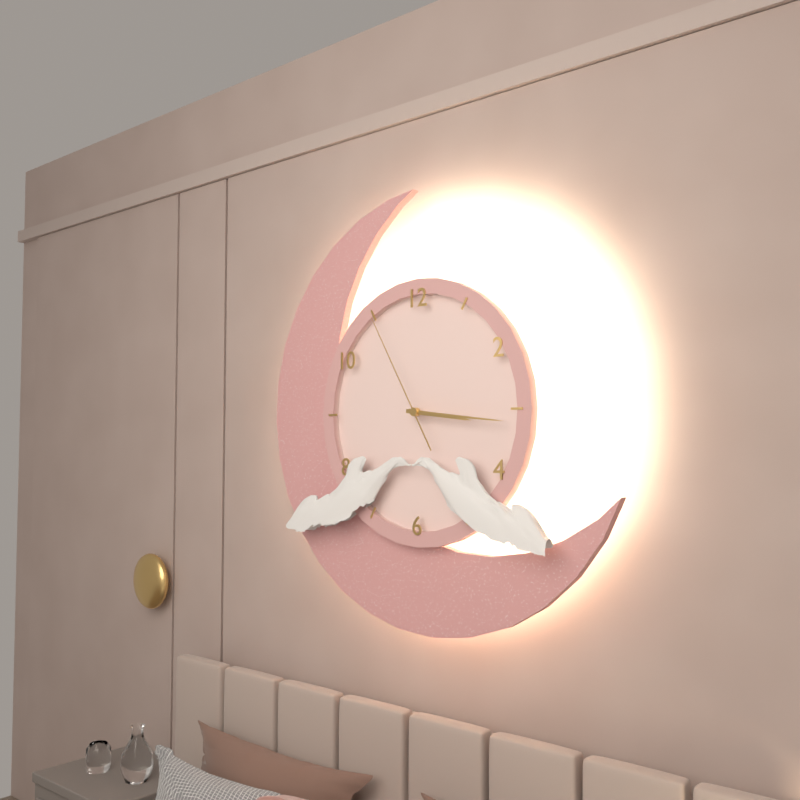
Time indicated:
3h16m55s
